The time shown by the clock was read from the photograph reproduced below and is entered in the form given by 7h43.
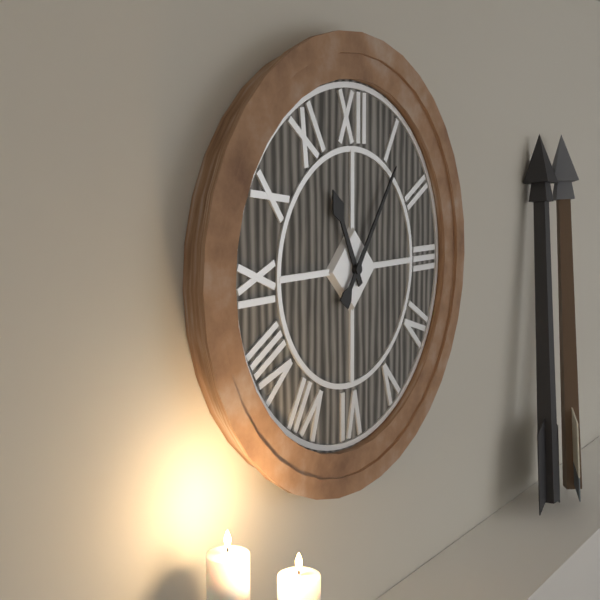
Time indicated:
11h06
